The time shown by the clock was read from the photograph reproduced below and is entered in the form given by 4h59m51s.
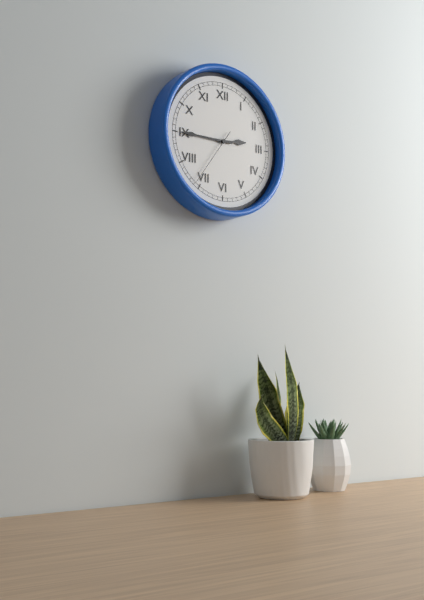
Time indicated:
2h45m36s
